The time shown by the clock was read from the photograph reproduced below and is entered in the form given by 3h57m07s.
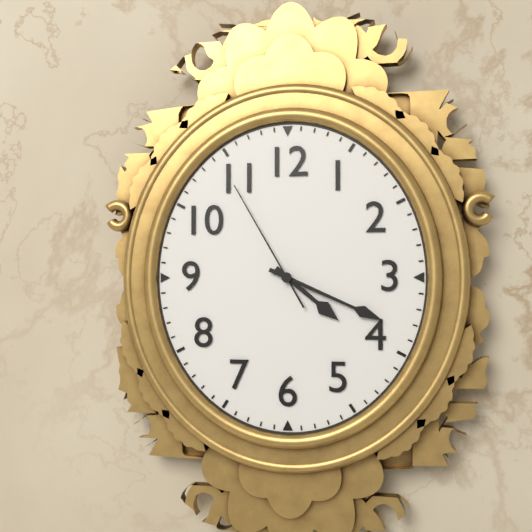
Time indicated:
4h19m55s
